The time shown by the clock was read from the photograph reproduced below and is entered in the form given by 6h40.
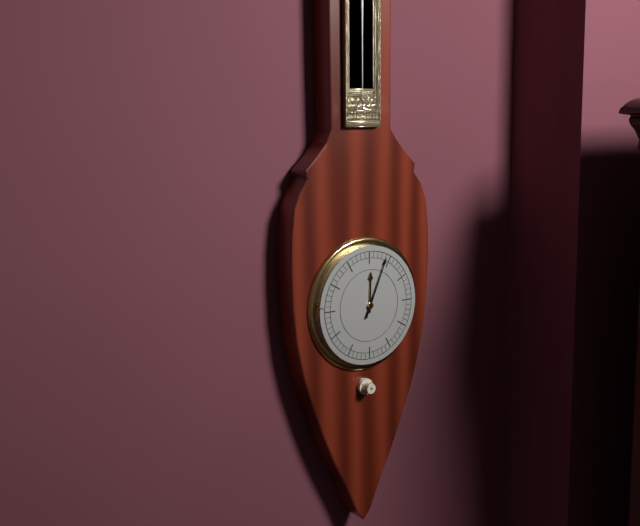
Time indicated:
12h04
